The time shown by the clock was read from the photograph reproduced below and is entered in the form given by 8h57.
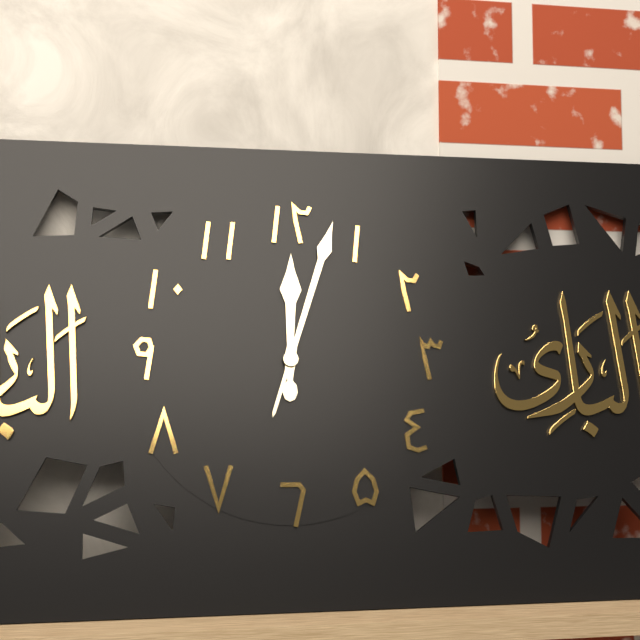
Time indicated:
12h03
